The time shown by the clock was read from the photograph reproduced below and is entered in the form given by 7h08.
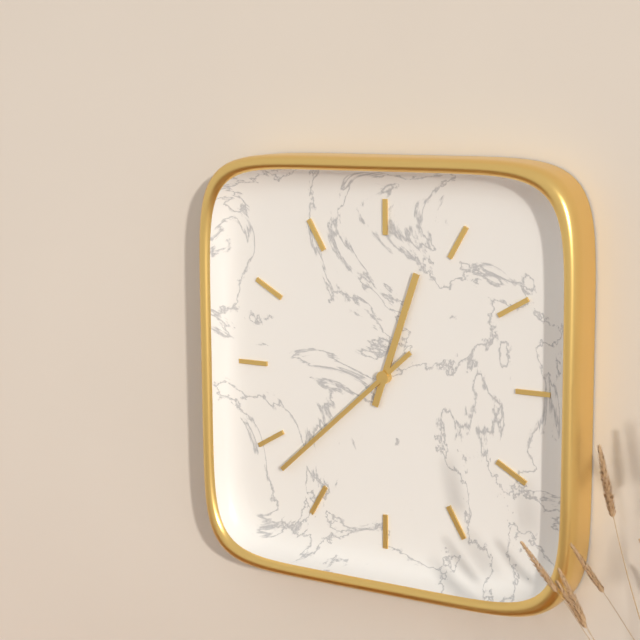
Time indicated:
12h38
